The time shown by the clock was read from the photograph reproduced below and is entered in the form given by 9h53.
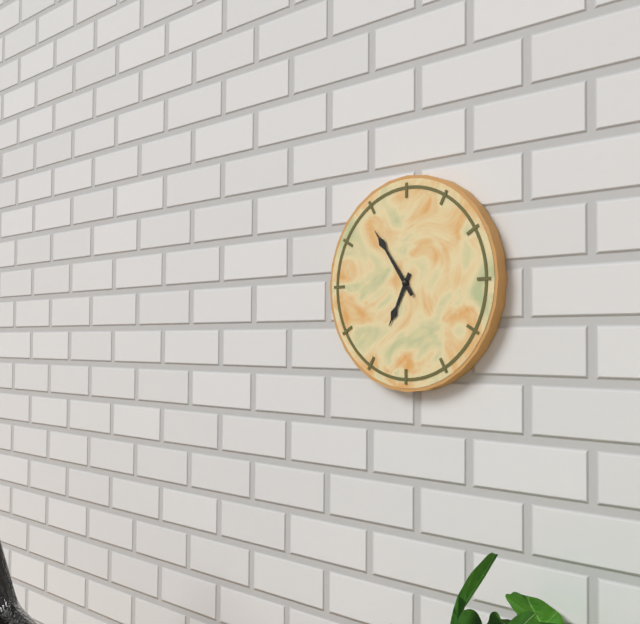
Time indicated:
6h54
